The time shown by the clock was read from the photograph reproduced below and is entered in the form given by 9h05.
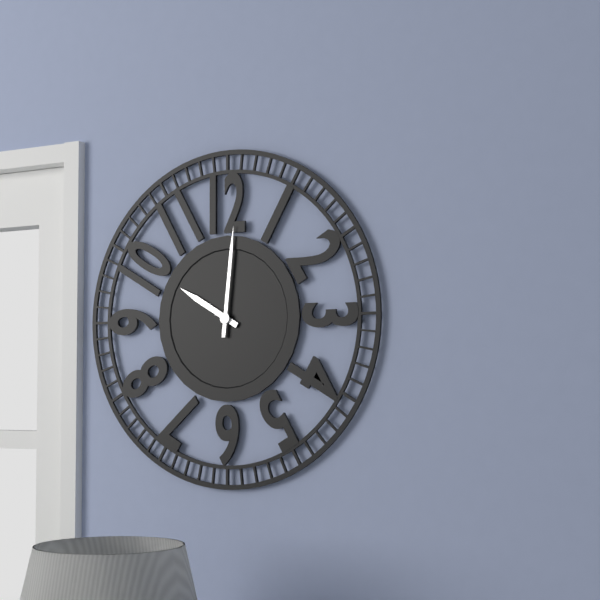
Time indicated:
10h01
